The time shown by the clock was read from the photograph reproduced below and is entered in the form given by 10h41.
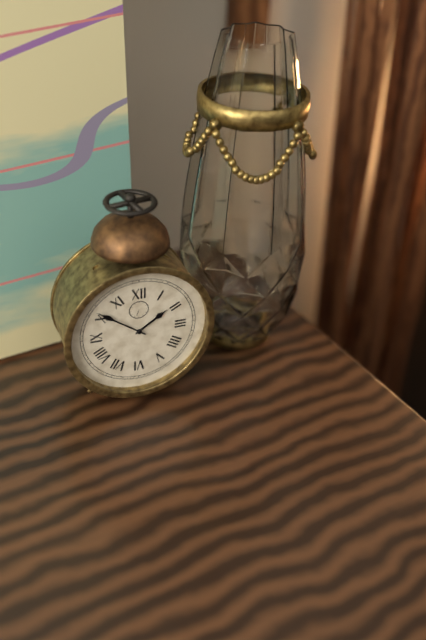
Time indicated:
1h51
